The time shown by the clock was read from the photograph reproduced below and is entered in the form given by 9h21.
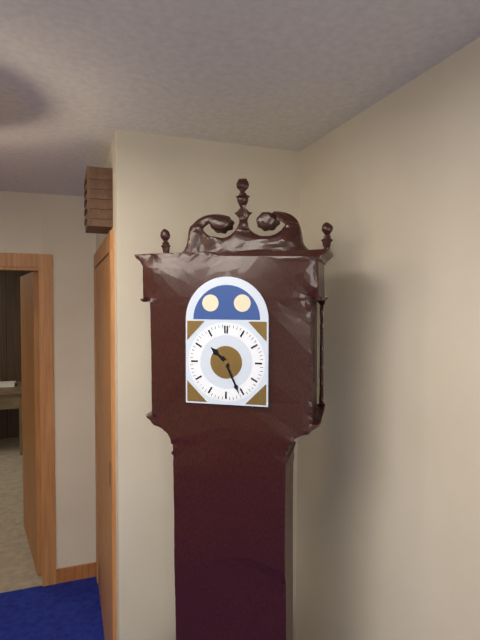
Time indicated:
10h26
